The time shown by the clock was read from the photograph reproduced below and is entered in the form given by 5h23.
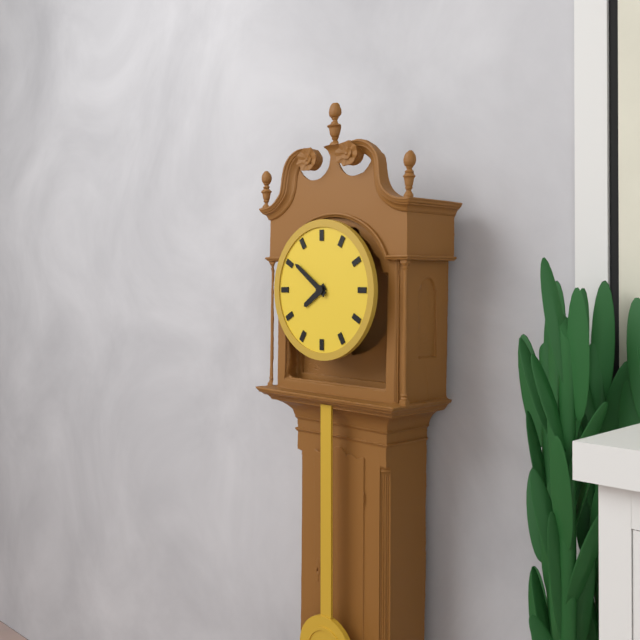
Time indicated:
7h51
